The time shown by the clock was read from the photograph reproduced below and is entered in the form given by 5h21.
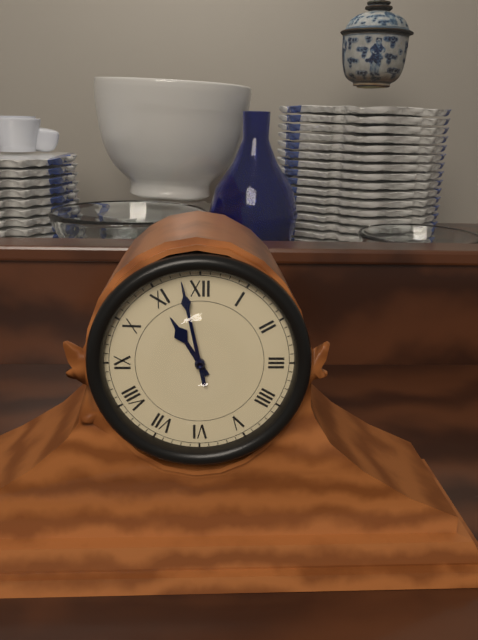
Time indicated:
10h58
